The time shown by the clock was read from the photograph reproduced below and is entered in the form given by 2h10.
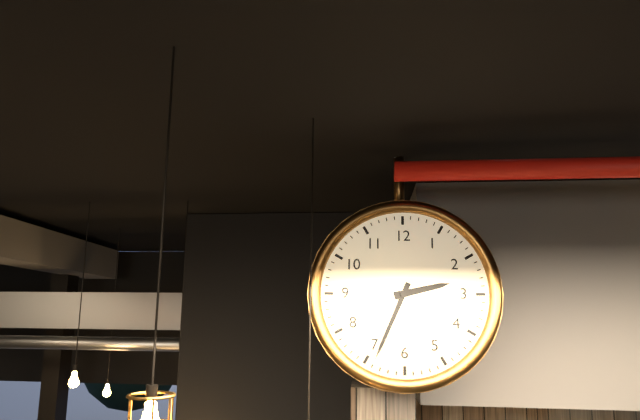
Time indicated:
2h34
